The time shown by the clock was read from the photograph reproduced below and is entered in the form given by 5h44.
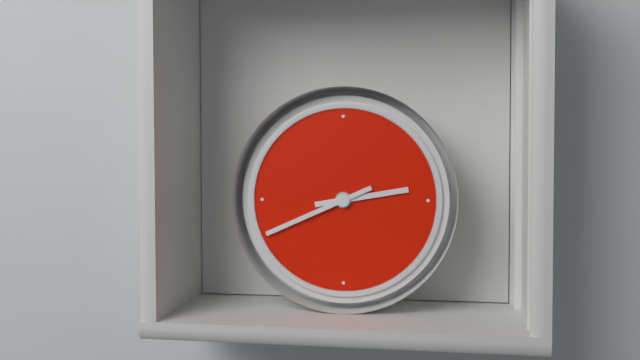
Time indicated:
2h41
